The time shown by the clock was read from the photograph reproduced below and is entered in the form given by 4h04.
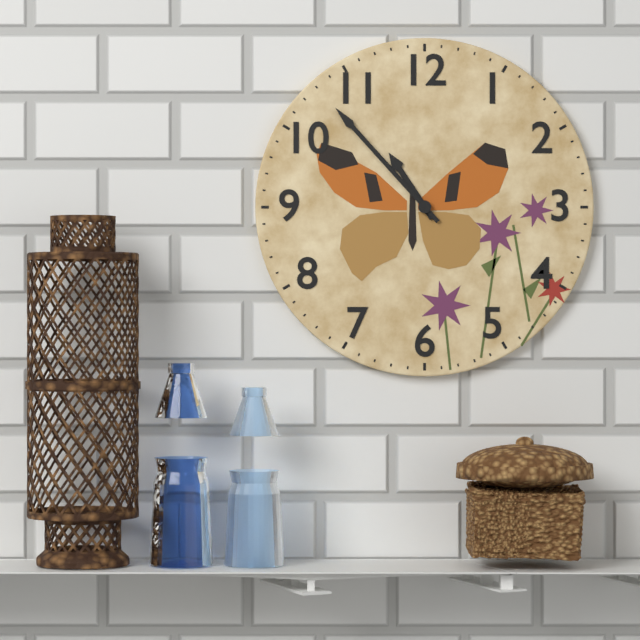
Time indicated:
10h53
